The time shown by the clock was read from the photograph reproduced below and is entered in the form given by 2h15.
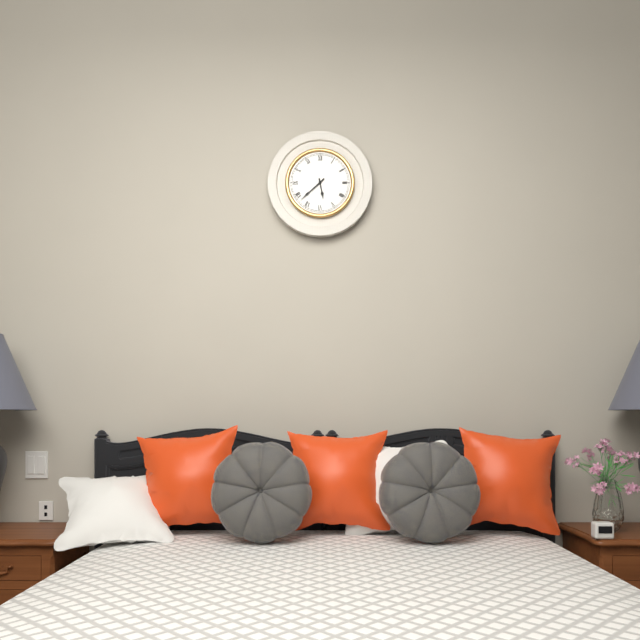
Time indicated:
5h38
